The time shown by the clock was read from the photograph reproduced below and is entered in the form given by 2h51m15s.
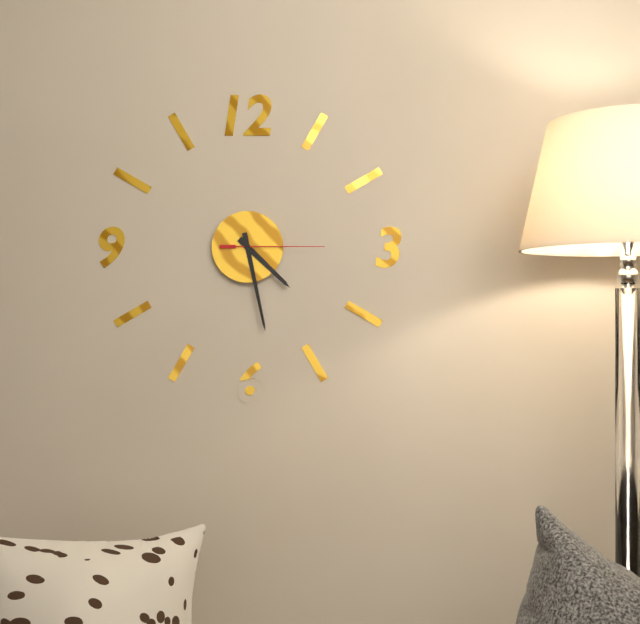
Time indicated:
4h28m15s
